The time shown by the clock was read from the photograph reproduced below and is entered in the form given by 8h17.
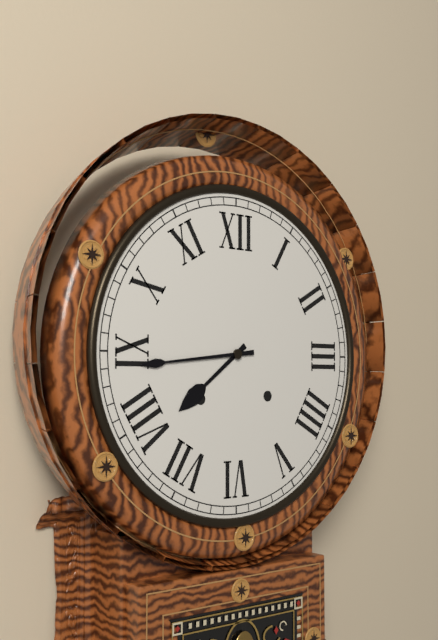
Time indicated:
7h44
